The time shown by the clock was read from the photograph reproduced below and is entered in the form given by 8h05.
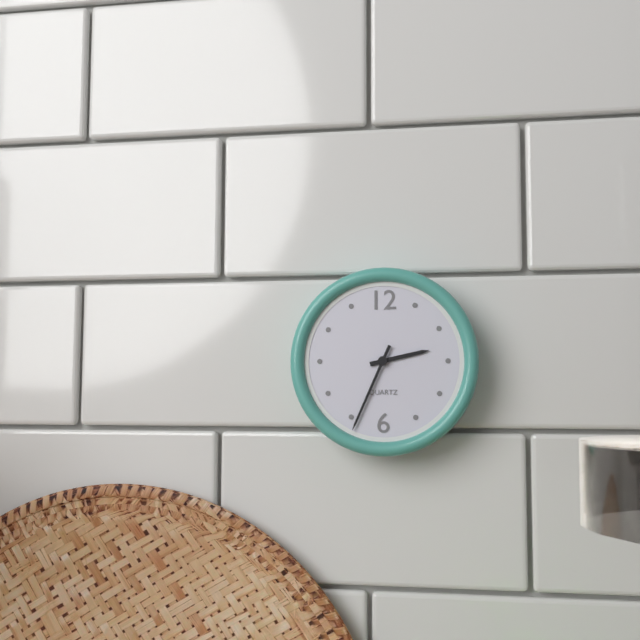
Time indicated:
2h34
